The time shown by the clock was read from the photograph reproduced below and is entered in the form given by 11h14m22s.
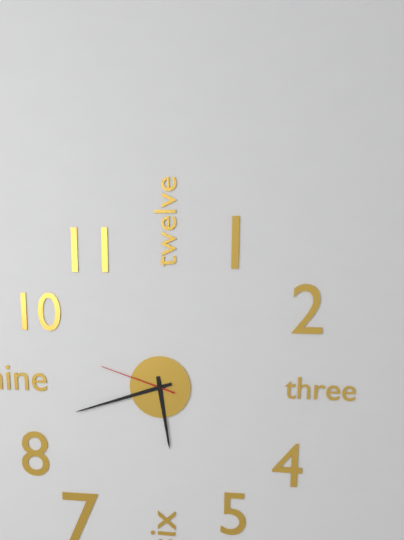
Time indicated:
5h42m48s
